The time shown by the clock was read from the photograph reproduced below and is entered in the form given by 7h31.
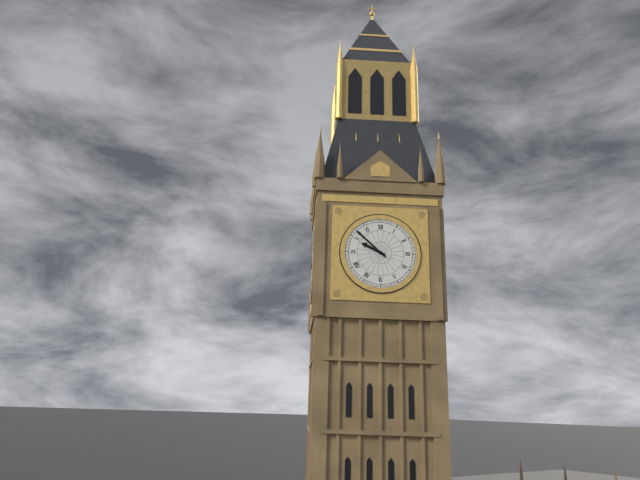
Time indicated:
9h52
